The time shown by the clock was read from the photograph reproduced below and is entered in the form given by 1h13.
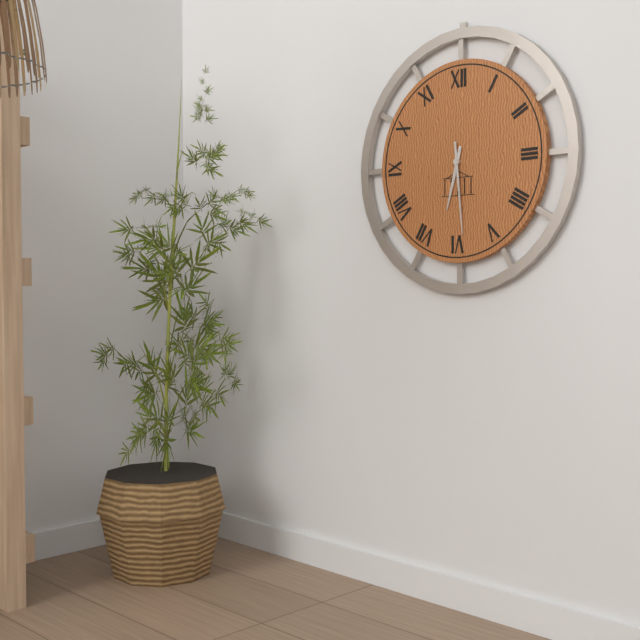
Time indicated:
6h29
